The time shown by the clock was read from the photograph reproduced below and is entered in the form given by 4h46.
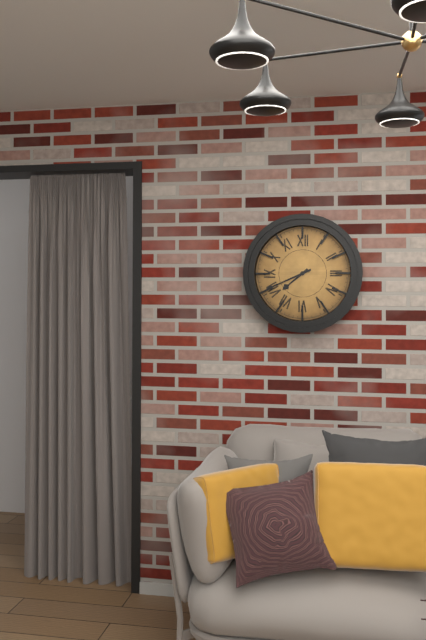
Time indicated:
7h41
